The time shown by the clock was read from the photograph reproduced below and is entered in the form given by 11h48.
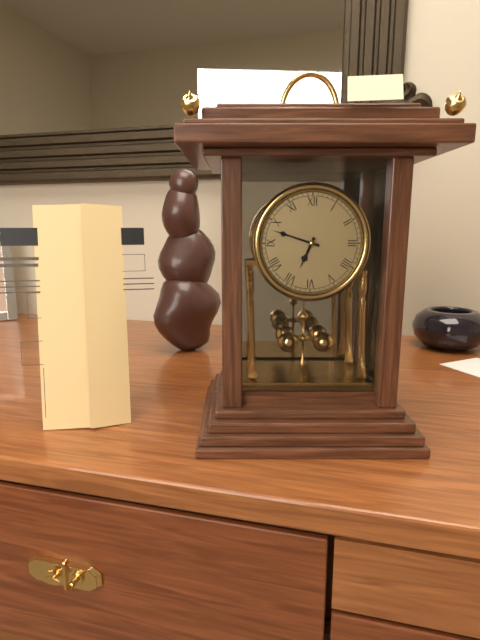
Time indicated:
6h48
